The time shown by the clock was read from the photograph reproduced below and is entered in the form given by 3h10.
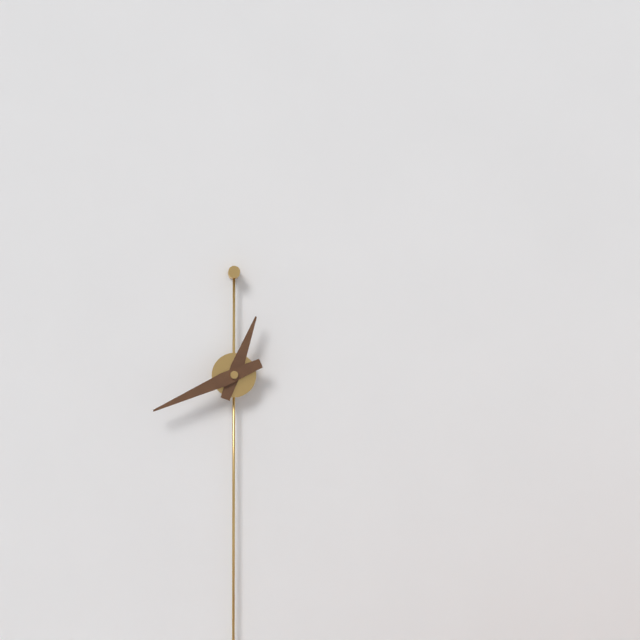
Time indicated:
12h41
